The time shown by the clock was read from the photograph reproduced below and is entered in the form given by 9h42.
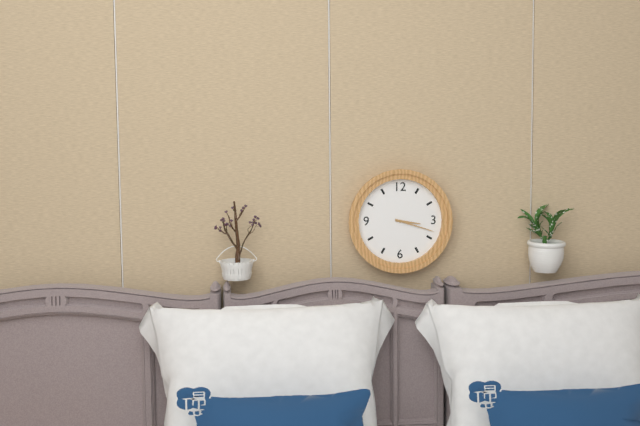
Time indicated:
3h18
